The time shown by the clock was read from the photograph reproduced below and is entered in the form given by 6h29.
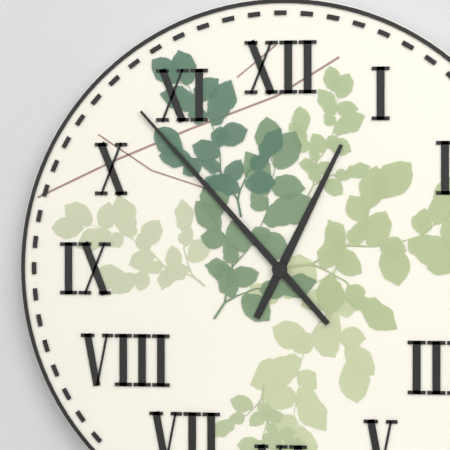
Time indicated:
12h53
